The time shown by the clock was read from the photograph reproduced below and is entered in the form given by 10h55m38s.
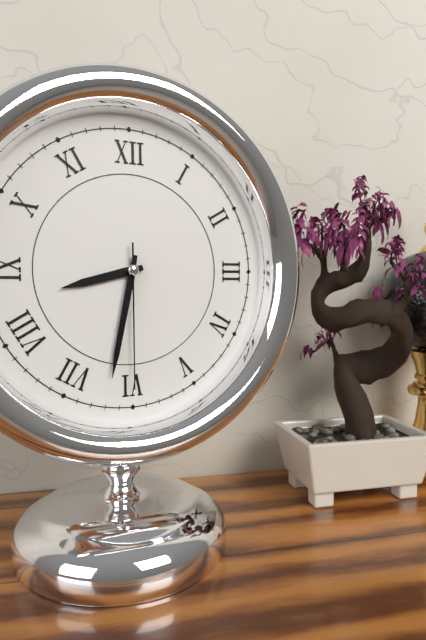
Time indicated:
8h32m30s
